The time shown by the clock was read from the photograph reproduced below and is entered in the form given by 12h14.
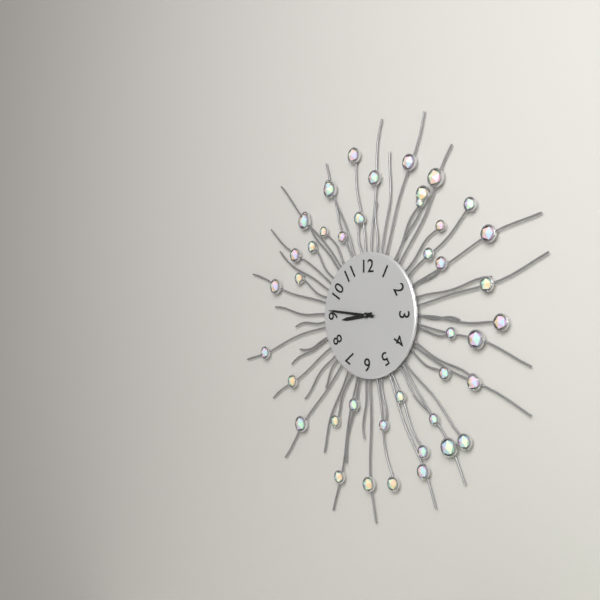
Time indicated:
8h46
